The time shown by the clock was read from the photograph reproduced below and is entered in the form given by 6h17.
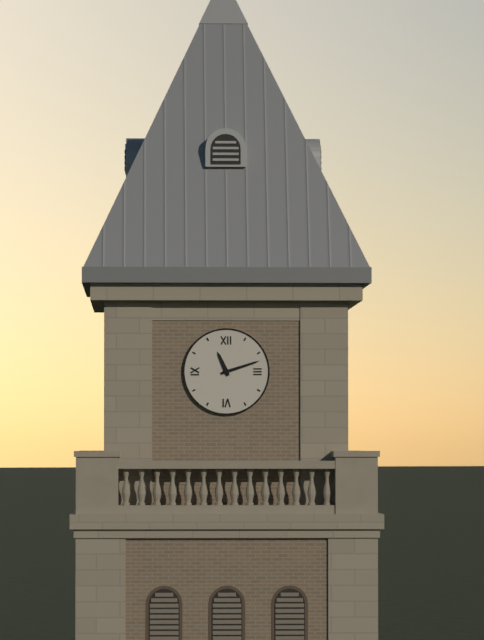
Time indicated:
11h12
